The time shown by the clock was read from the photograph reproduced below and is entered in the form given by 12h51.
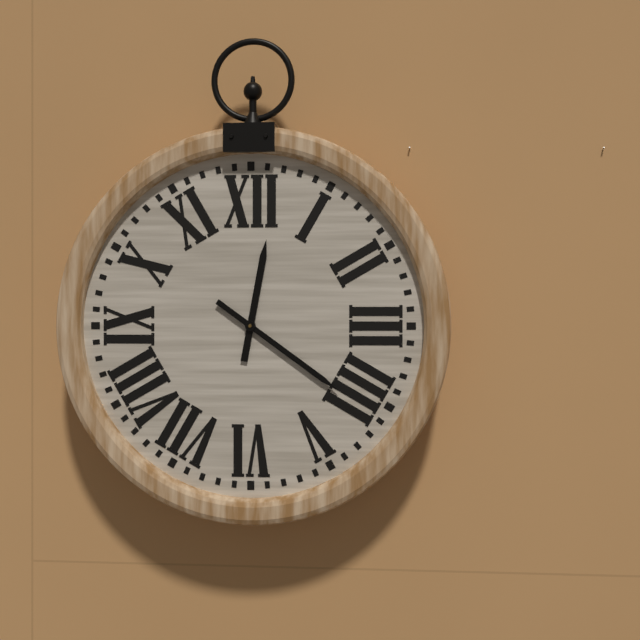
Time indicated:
12h21
